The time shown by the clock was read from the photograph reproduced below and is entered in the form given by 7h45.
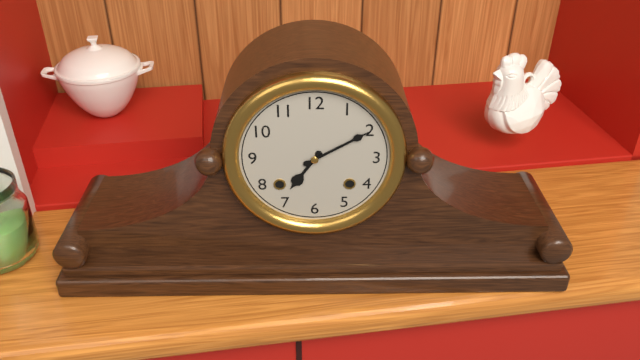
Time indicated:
7h10
